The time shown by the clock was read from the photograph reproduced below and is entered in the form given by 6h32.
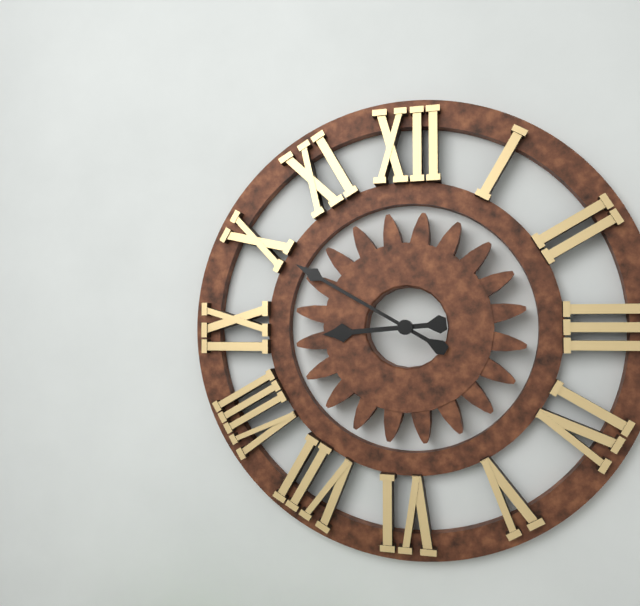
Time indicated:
8h50
